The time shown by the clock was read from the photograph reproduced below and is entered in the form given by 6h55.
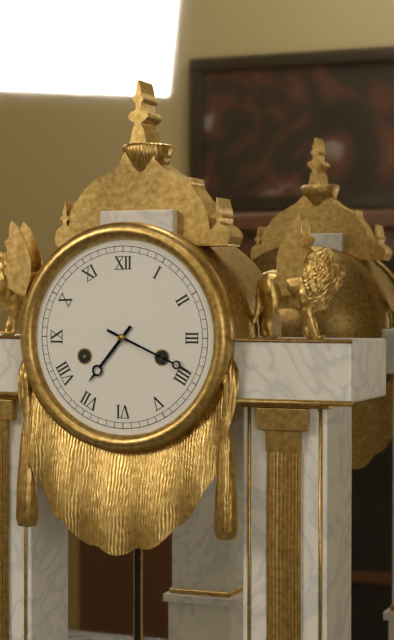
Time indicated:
7h19
